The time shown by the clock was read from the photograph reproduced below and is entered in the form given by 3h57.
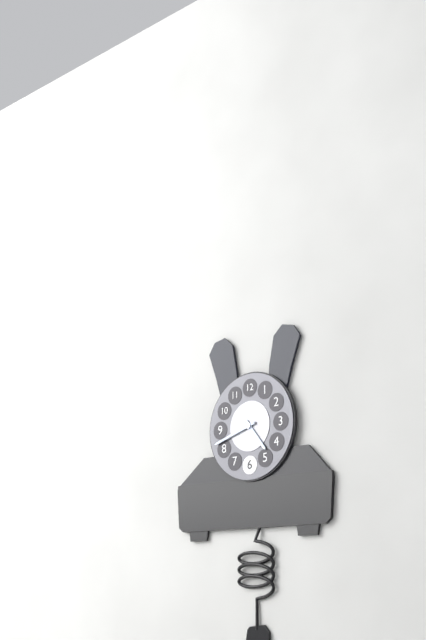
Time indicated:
4h42
